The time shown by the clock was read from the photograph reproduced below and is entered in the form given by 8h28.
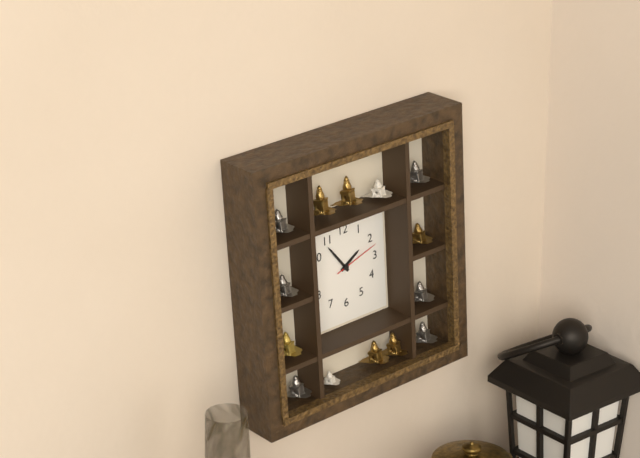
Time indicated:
1h54
